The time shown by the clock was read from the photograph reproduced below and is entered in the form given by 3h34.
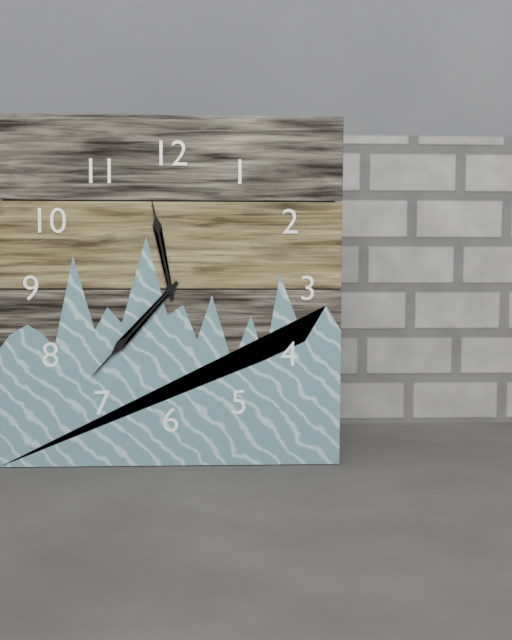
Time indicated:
11h37
